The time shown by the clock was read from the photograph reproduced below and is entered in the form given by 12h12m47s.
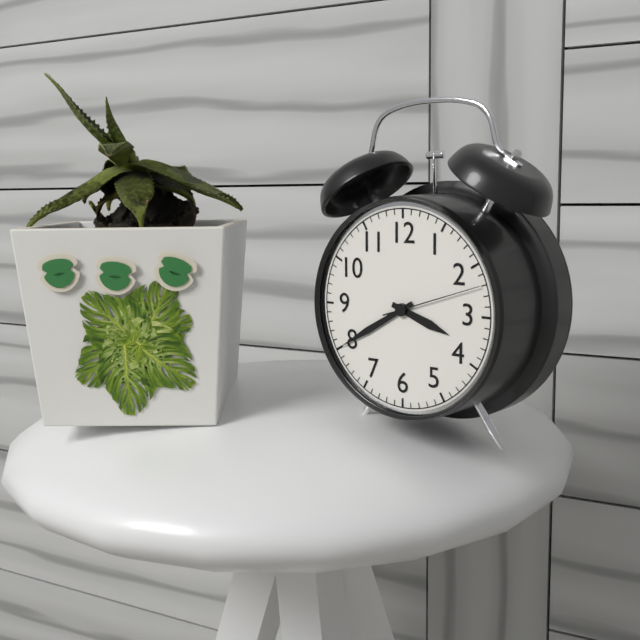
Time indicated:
3h40m12s
